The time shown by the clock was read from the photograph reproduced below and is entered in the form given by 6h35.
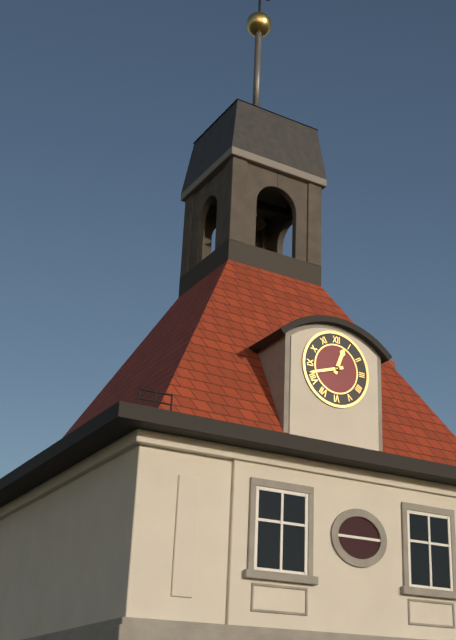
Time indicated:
12h42
